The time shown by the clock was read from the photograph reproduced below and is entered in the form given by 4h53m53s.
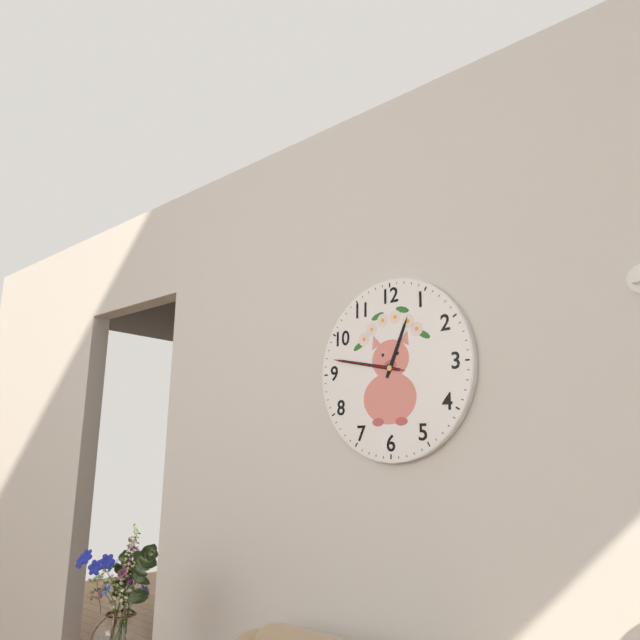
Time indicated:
12h47m47s
